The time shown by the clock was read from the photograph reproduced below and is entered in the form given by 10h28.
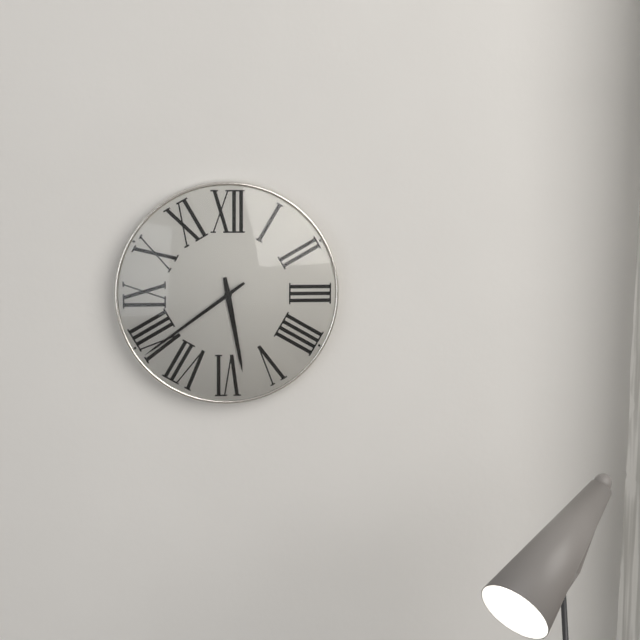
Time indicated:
5h39
